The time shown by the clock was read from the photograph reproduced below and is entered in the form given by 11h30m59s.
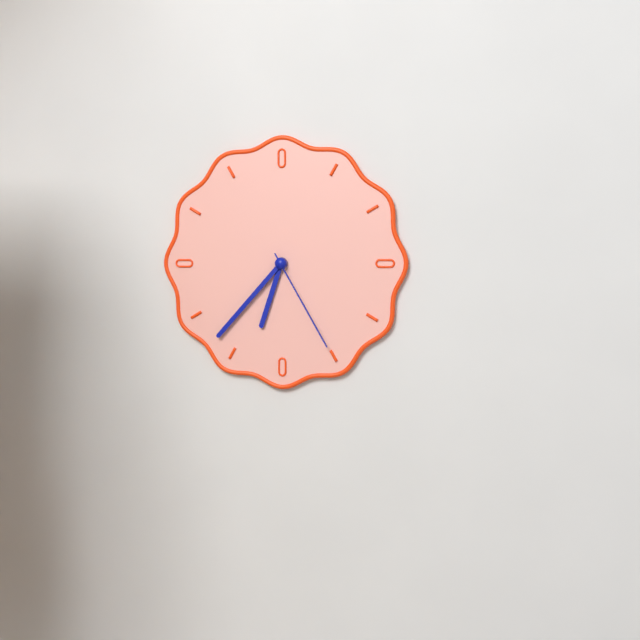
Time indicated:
6h37m25s
